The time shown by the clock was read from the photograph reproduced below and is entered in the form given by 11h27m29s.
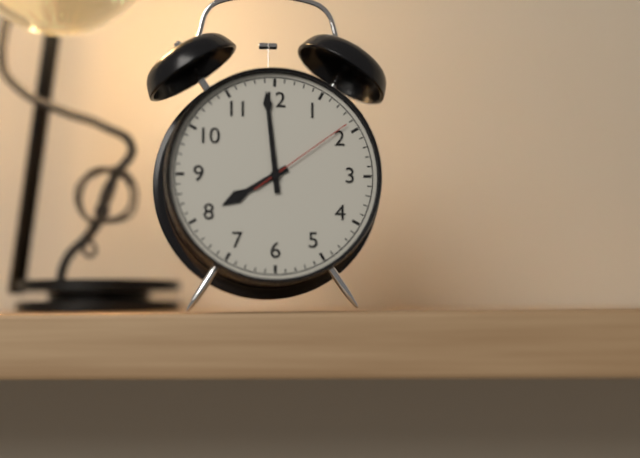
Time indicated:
7h59m09s
